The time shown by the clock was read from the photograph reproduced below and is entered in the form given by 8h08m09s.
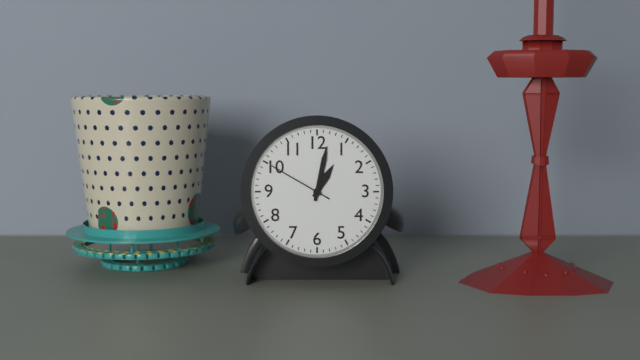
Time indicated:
1h02m50s
